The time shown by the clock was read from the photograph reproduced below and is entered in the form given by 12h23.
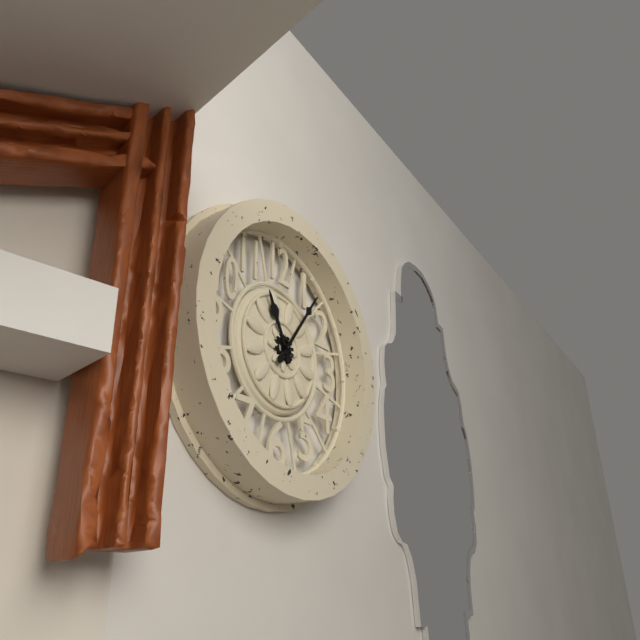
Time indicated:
11h06
